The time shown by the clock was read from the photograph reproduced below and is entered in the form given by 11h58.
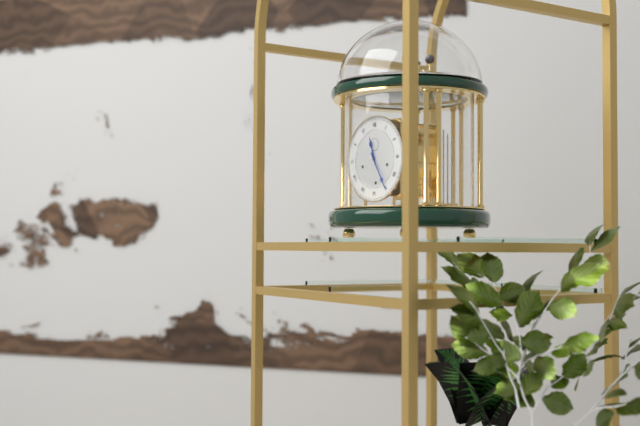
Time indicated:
11h25
